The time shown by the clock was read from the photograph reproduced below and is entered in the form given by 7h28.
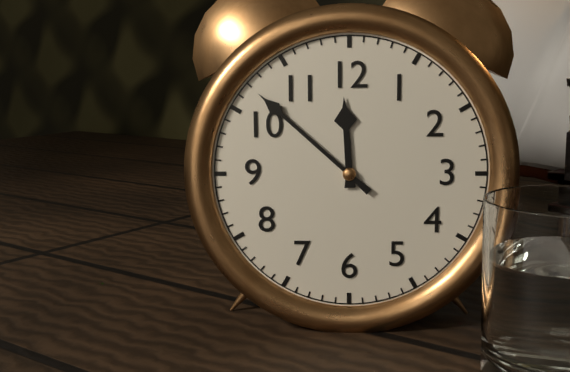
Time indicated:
11h52
